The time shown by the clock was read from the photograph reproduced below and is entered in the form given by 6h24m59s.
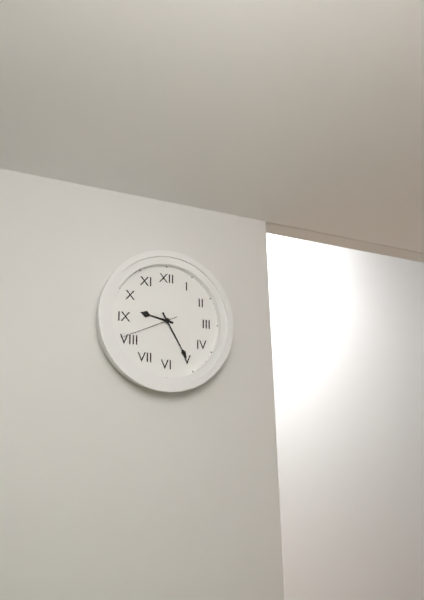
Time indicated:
9h25m41s
